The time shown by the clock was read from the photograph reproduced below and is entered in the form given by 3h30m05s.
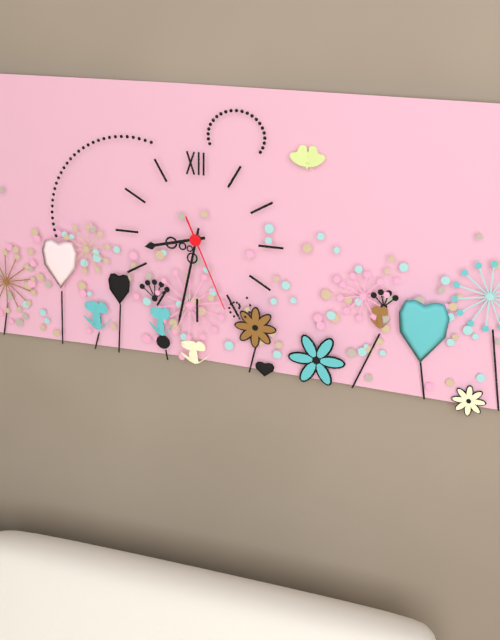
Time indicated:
8h32m26s
